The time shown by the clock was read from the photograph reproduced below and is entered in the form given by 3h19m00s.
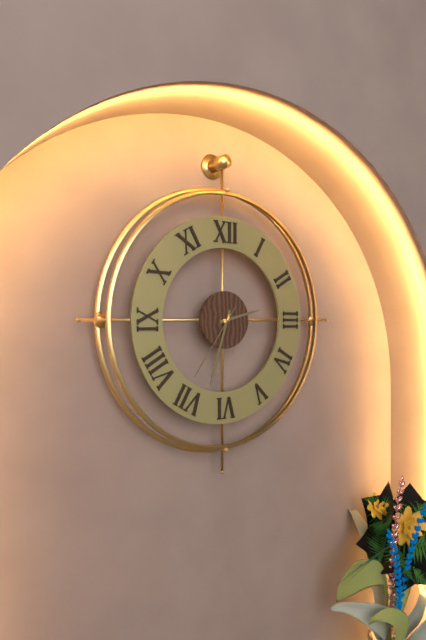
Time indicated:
2h33m36s
